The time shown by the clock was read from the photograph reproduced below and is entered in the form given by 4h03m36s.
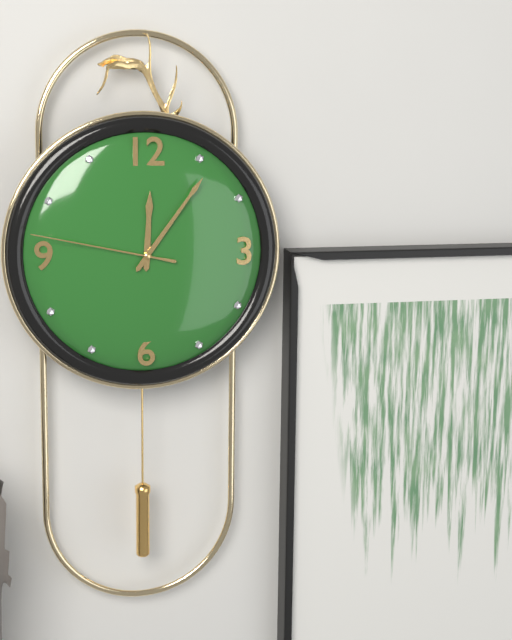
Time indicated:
12h06m47s
